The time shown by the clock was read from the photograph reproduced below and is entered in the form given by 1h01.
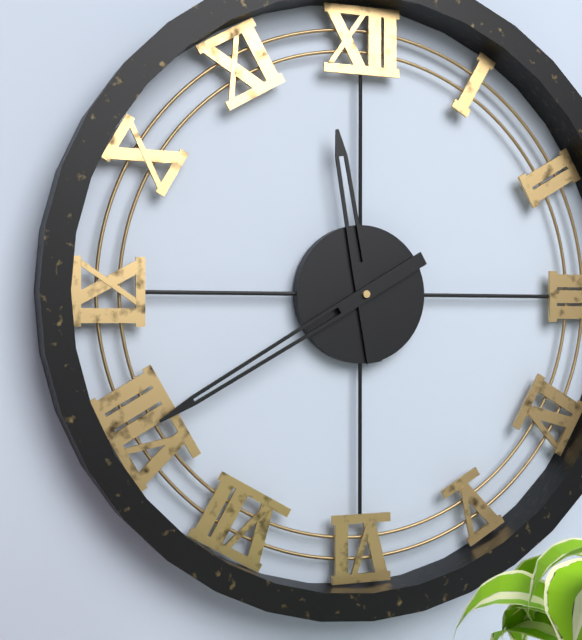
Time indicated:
11h40
